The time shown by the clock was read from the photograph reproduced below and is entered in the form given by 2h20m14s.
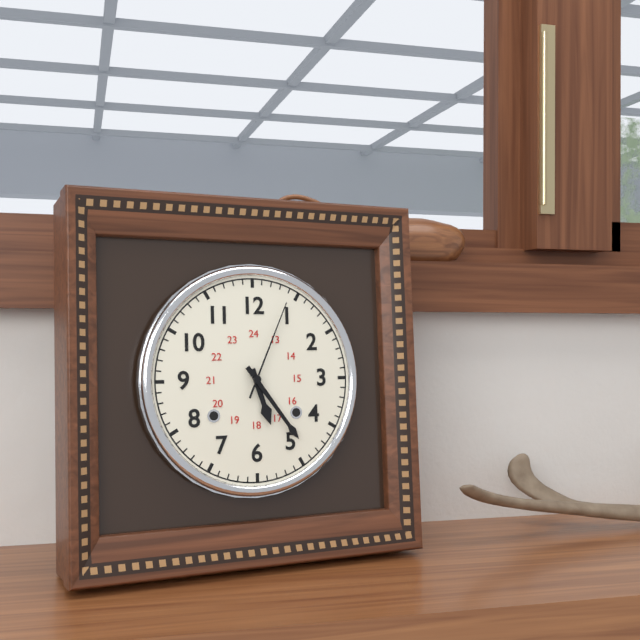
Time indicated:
5h24m04s
